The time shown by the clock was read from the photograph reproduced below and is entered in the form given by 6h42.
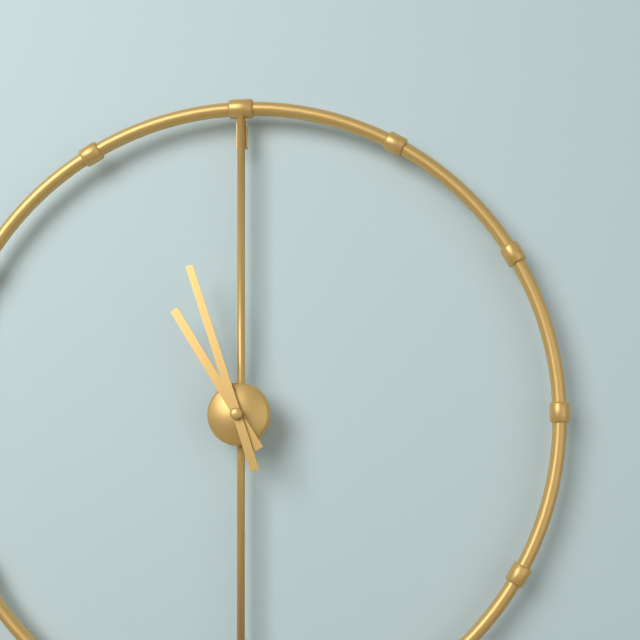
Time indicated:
10h57
